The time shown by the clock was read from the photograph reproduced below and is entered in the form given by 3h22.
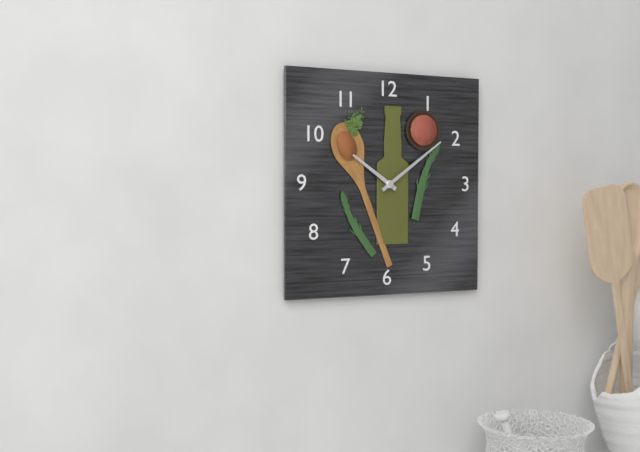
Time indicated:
10h09
